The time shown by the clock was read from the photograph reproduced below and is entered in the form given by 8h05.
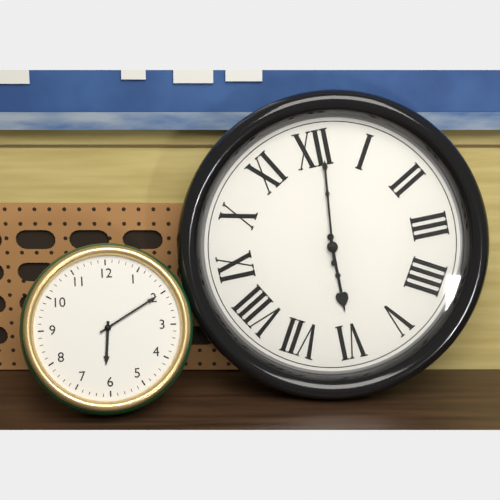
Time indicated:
6h01
